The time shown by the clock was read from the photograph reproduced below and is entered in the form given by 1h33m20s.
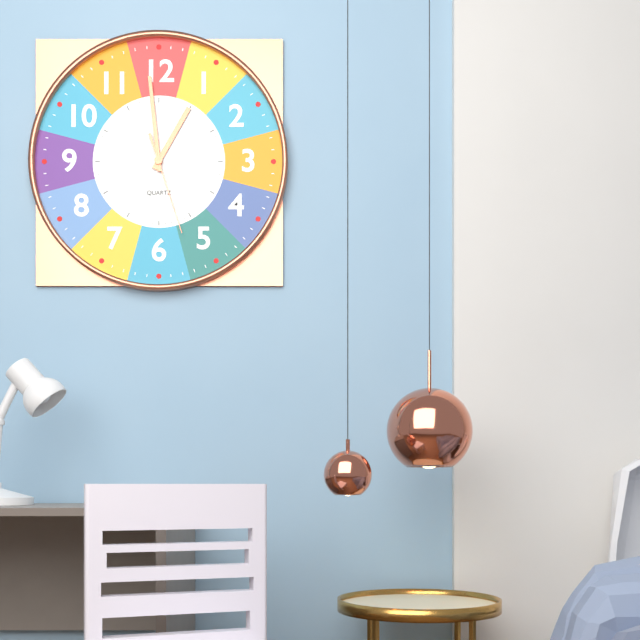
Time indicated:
12h59m27s
